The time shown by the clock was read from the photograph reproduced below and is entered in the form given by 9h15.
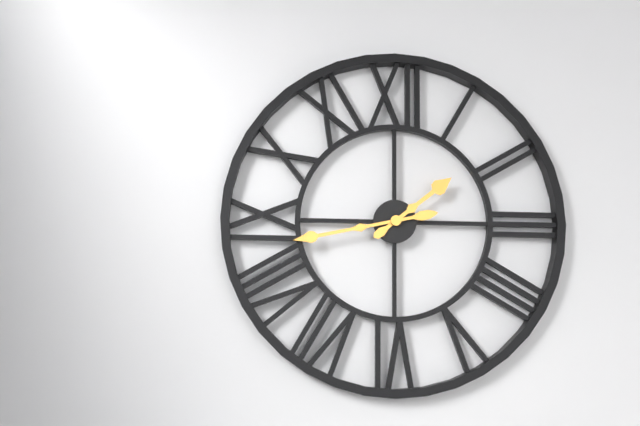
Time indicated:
1h43
